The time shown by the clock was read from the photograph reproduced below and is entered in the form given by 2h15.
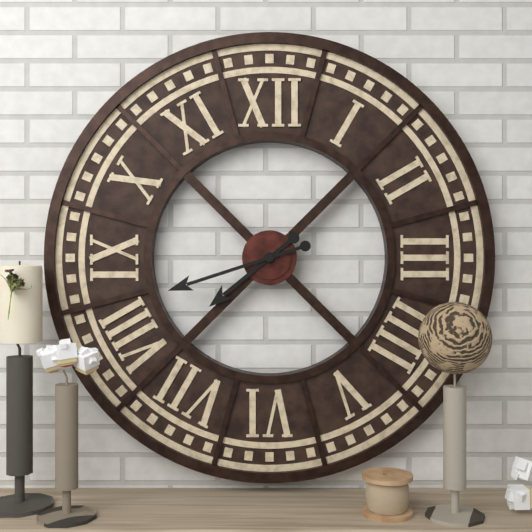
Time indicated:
7h42
